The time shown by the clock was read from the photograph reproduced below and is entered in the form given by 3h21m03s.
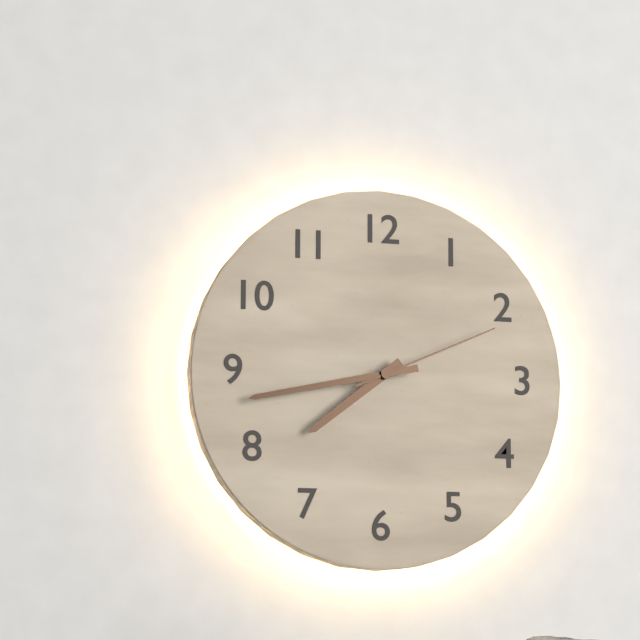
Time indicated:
7h43m11s
